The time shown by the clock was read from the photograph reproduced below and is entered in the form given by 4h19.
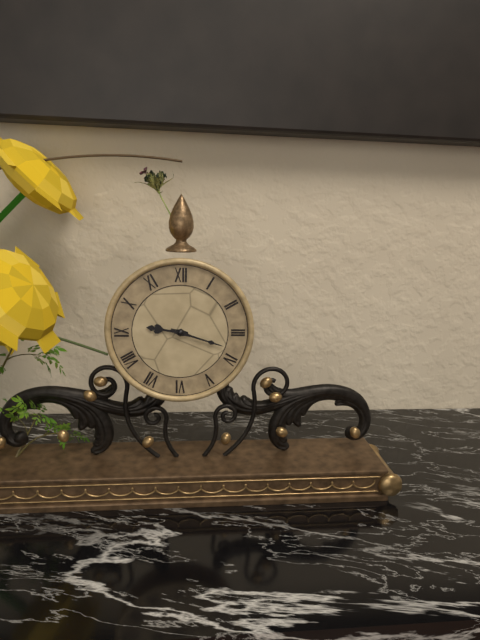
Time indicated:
9h18
